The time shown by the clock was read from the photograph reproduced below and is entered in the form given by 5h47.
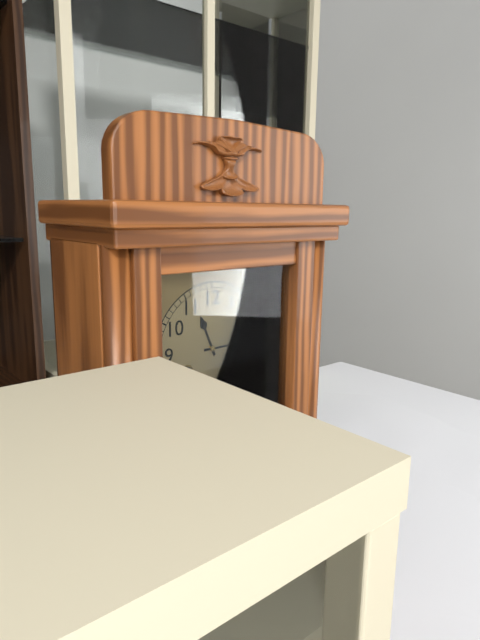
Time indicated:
11h15
